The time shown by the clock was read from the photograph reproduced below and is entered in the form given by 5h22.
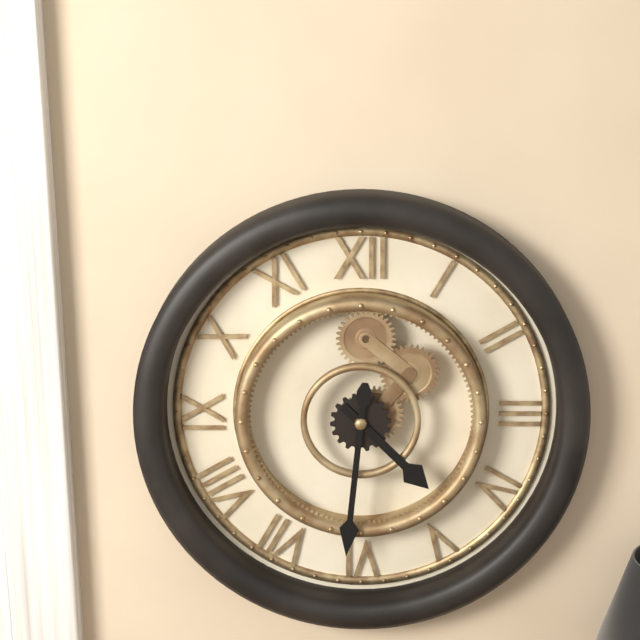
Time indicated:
4h31
